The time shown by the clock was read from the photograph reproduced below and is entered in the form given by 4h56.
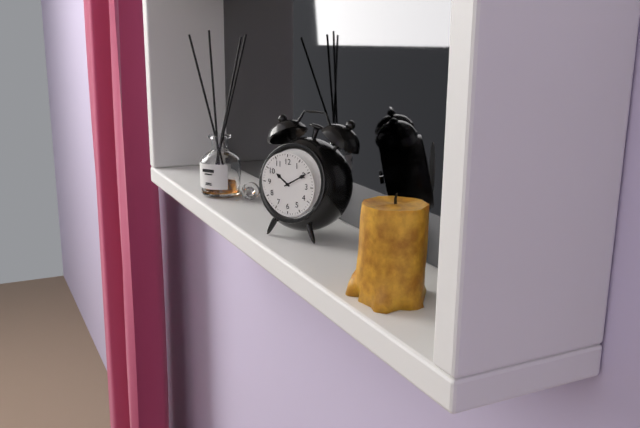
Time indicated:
10h10
